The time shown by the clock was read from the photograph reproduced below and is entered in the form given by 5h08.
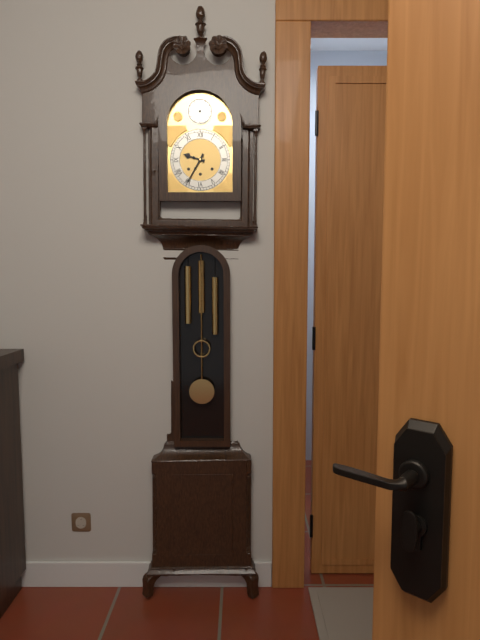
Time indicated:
9h35
